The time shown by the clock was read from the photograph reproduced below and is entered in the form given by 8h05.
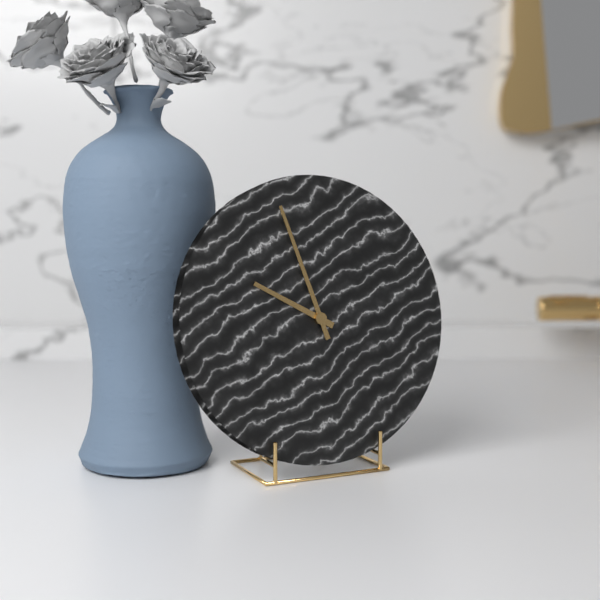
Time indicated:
9h57
